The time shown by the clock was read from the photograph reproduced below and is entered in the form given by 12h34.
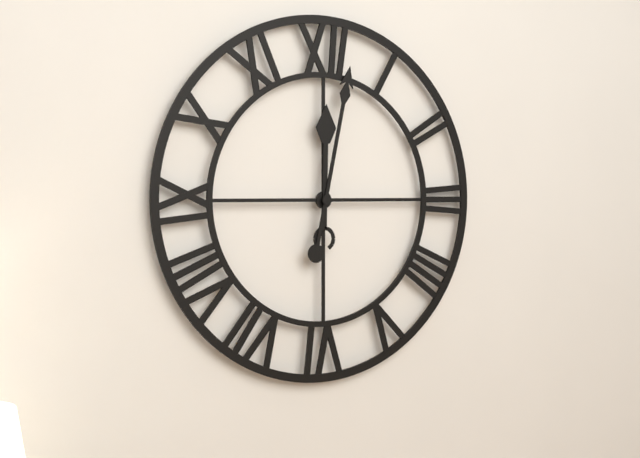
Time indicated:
12h02
